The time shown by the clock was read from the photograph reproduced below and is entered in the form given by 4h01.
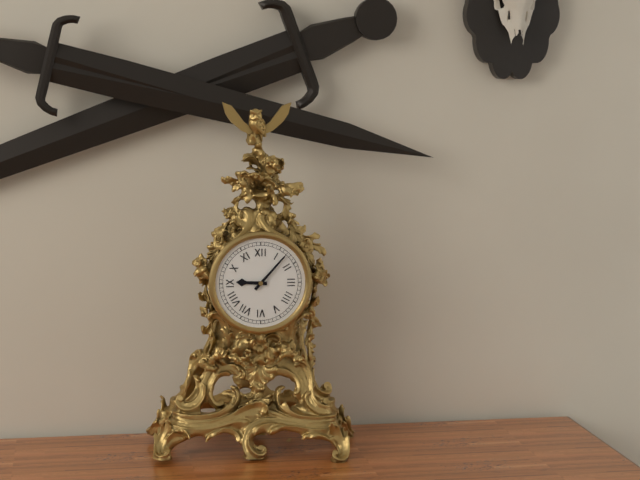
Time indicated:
9h07
